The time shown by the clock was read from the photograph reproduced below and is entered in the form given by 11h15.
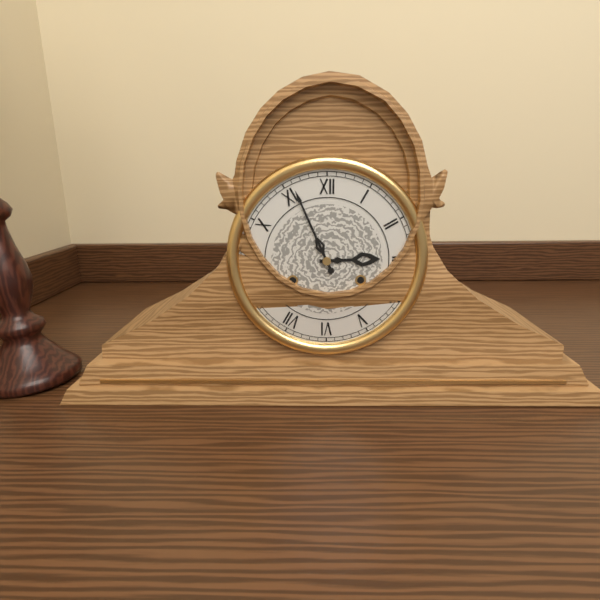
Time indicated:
2h56
